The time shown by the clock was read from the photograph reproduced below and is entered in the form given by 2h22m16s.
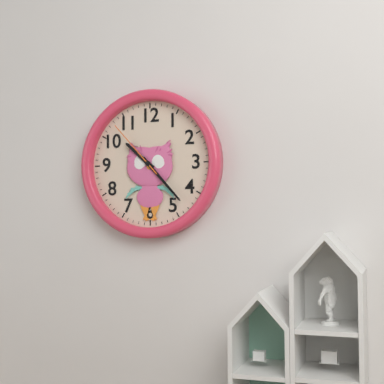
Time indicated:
10h23m53s
